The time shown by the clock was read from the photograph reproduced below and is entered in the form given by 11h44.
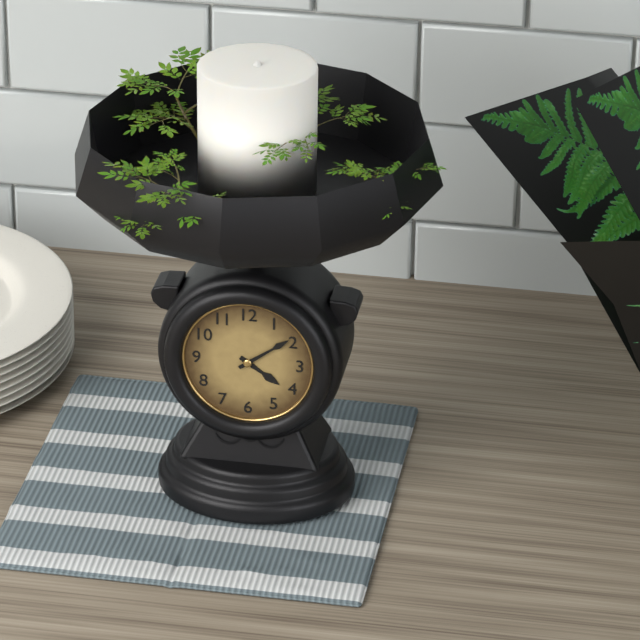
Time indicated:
4h09
